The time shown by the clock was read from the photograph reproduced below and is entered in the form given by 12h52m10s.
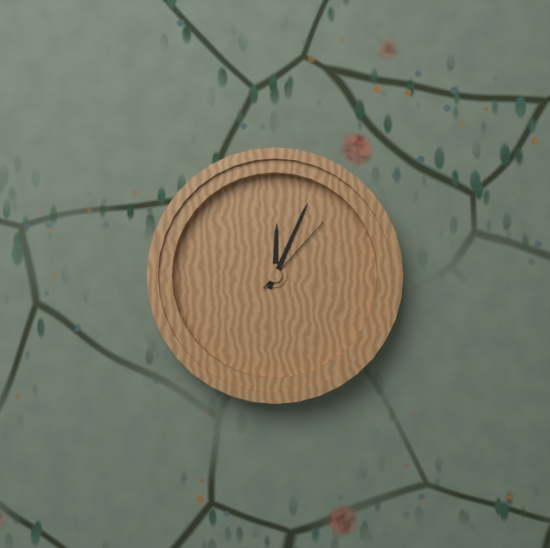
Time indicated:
12h04m07s
